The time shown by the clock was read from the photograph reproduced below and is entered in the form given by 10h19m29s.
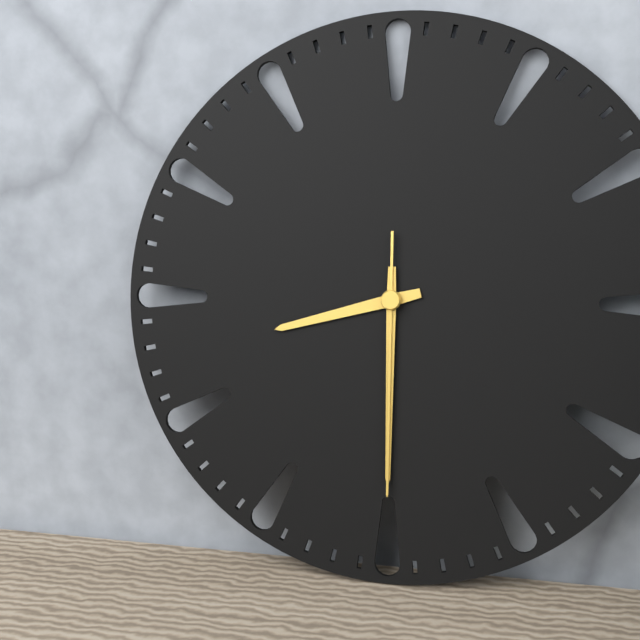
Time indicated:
8h30m30s
